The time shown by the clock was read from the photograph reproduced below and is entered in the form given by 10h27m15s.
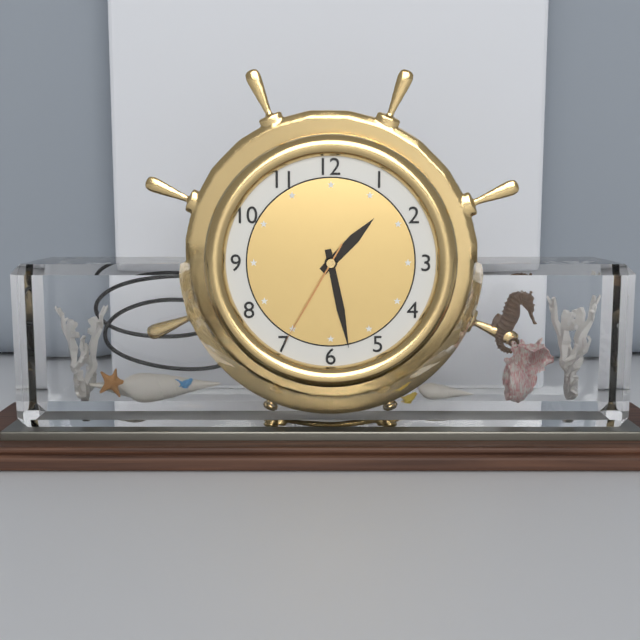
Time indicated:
1h28m35s
